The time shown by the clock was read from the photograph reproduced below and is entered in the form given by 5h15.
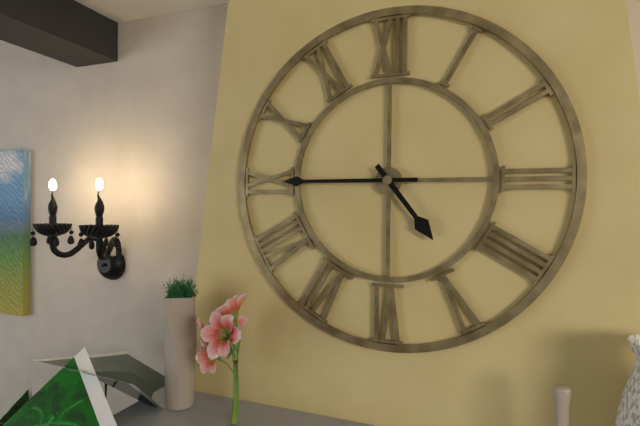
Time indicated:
4h45
